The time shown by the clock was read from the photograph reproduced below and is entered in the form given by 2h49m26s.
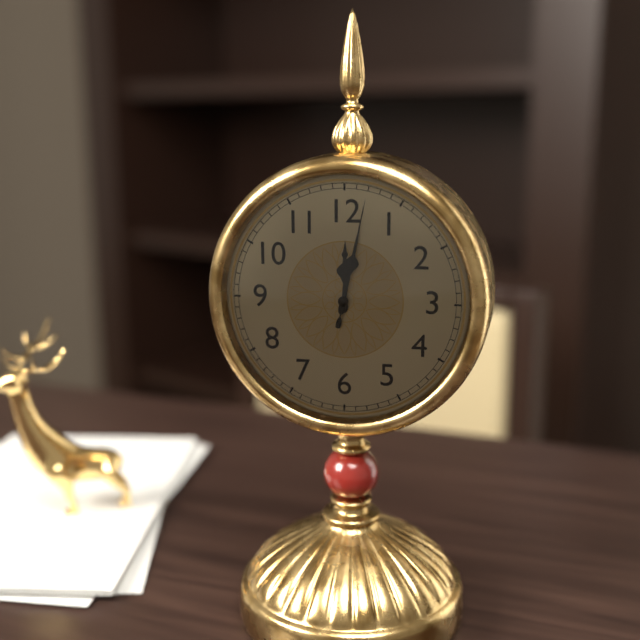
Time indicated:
12h02m02s
